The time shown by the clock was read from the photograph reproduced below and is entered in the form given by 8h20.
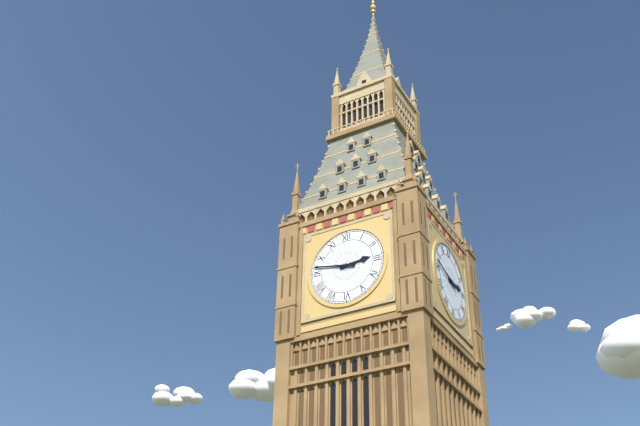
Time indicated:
2h47
